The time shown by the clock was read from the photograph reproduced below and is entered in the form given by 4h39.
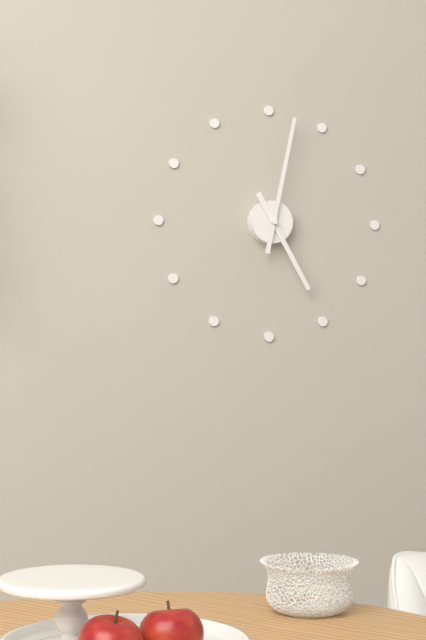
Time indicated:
5h02
